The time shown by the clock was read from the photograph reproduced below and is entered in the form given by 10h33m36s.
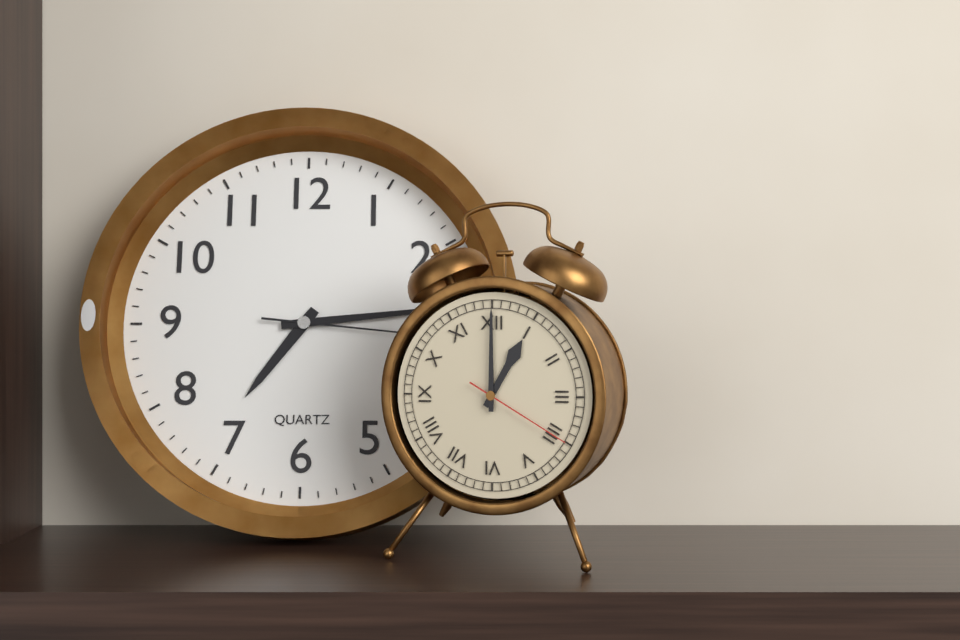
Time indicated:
7h14m16s
